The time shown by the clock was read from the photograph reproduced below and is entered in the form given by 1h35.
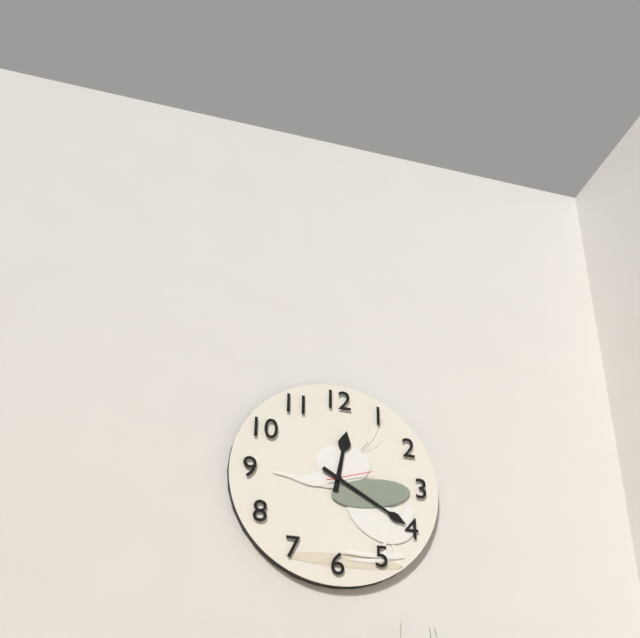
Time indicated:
12h20
